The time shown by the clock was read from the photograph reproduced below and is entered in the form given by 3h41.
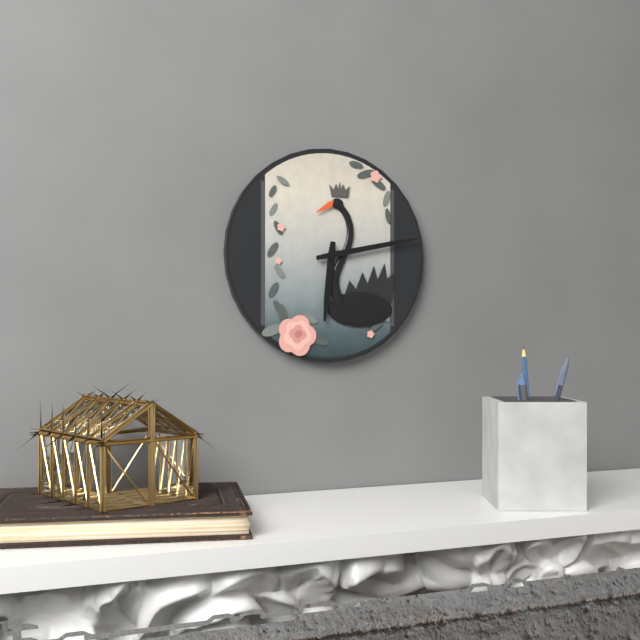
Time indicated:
6h13
